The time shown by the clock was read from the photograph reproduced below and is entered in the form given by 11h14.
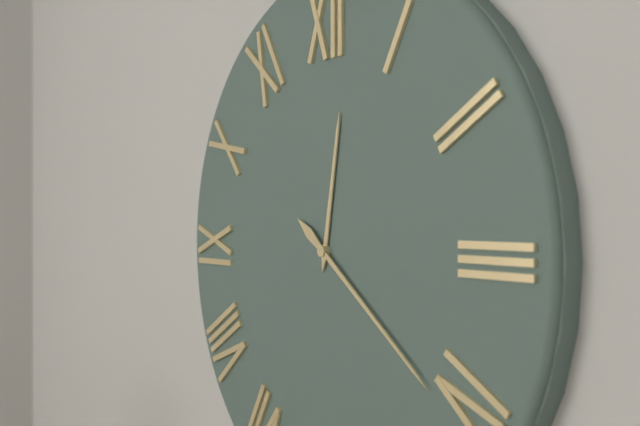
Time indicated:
12h21
